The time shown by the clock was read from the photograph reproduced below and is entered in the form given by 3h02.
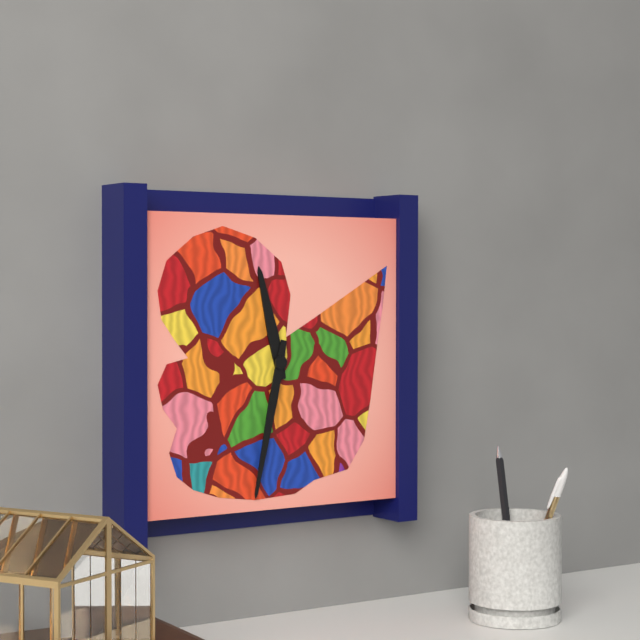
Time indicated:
11h32
